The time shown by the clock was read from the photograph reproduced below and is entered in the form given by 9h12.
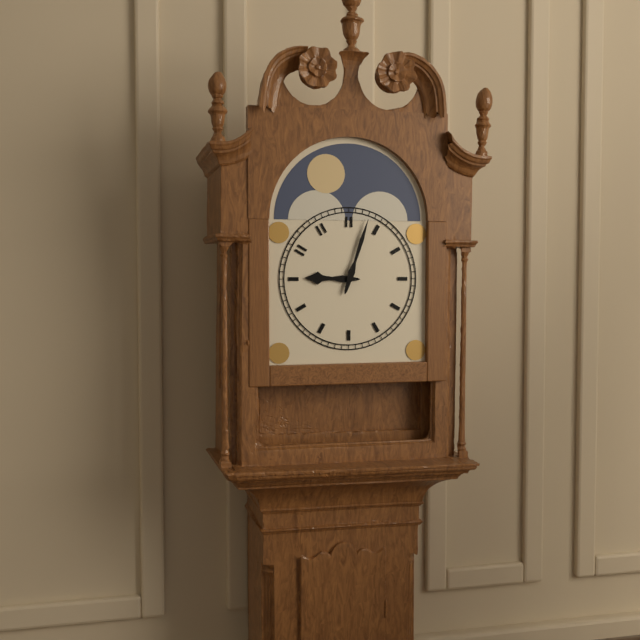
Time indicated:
9h03
